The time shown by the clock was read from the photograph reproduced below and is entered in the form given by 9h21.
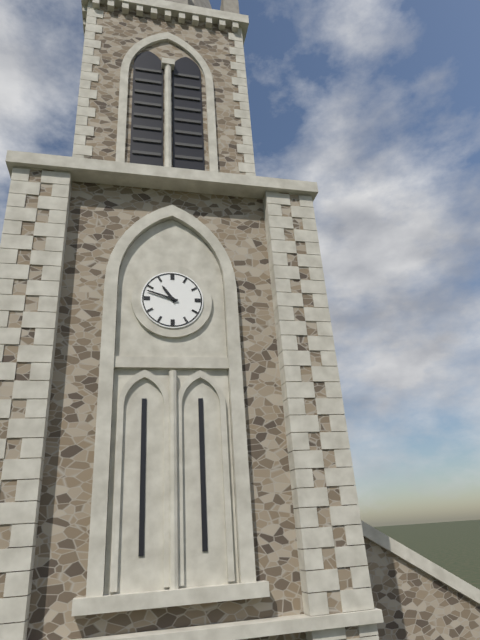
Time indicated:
10h48
